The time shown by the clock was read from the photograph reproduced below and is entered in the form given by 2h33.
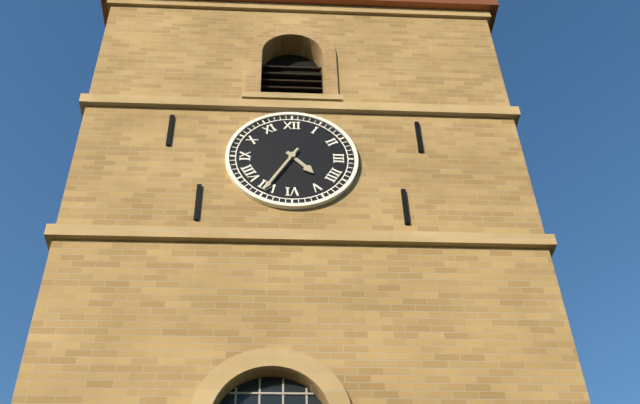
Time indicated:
4h35
